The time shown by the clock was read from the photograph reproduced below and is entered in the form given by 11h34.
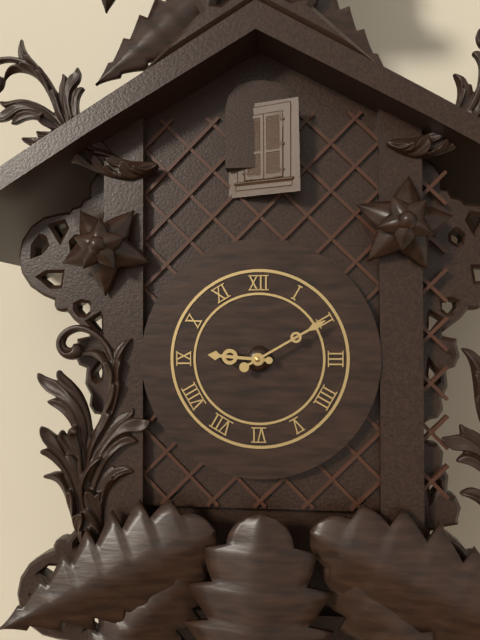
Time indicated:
9h10
